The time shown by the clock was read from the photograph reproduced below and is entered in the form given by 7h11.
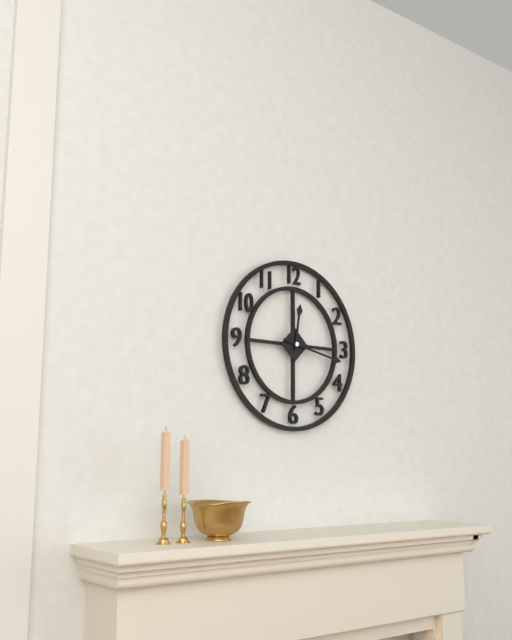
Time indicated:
12h17
